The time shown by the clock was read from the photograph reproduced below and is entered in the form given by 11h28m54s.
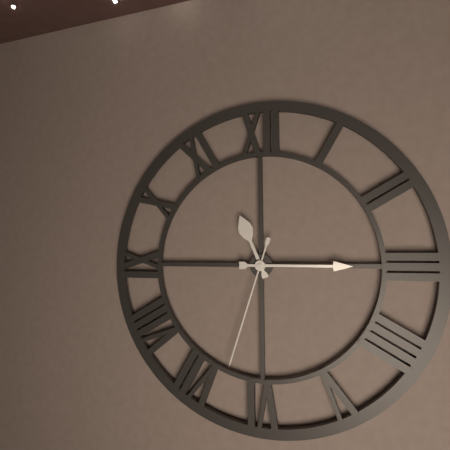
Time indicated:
11h15m33s
